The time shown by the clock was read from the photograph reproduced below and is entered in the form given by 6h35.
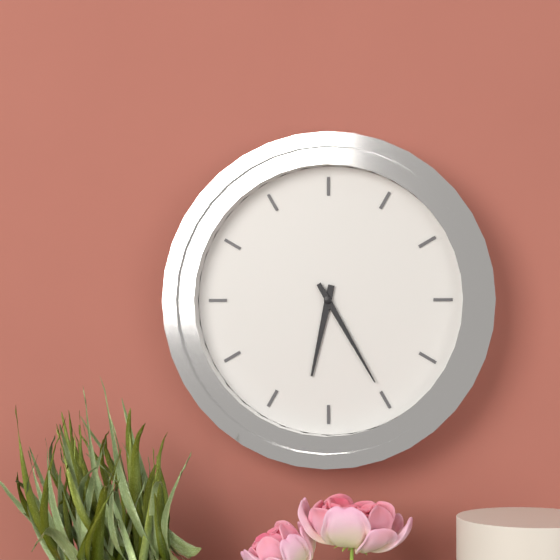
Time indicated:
6h25
